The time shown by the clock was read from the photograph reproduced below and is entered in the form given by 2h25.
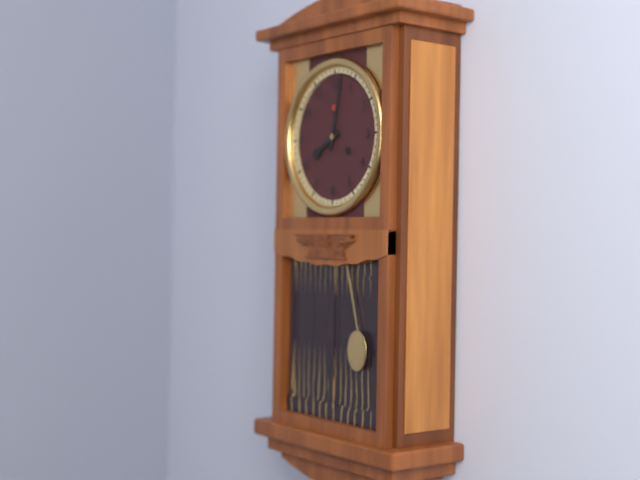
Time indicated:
8h02
